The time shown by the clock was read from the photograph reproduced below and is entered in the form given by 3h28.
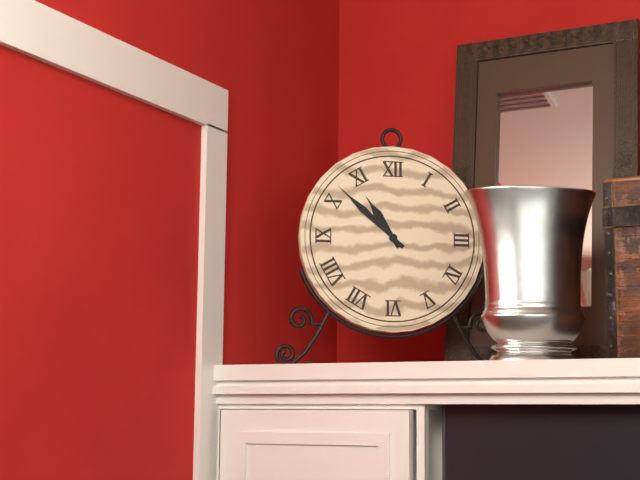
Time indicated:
10h52
